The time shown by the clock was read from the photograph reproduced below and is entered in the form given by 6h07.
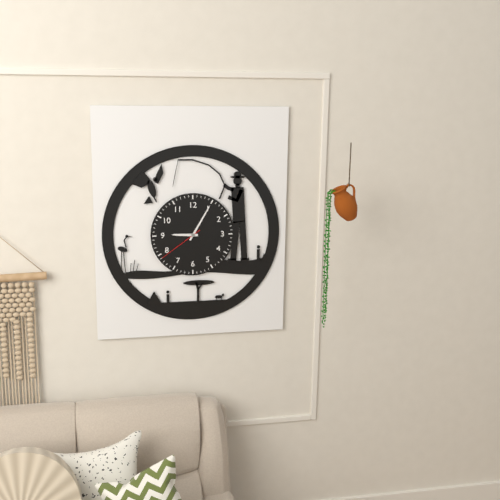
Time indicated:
9h05
